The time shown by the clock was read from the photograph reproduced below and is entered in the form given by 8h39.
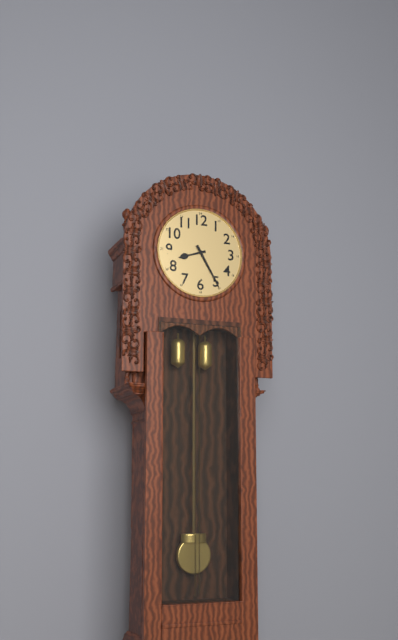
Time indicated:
8h25
